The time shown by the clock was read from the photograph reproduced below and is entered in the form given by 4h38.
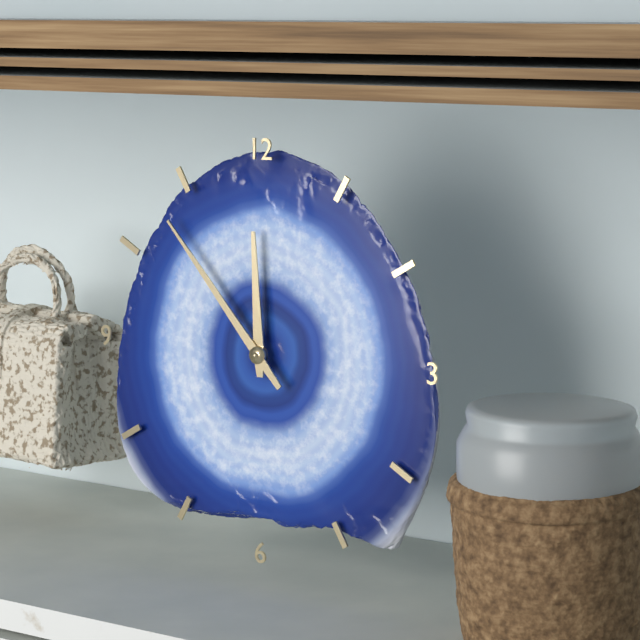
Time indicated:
11h53
